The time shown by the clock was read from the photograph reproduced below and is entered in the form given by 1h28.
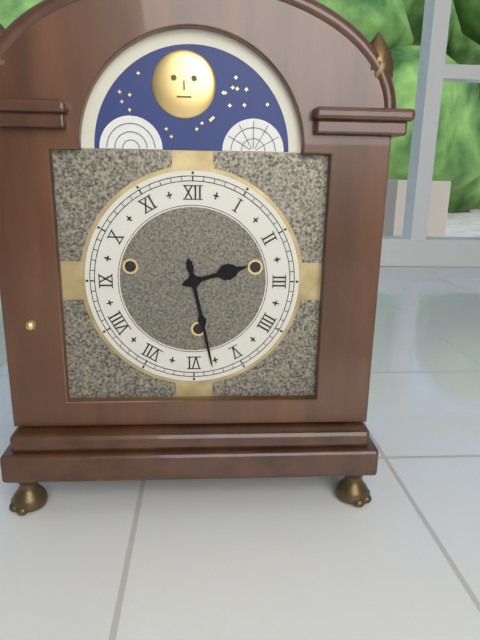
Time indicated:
2h28
